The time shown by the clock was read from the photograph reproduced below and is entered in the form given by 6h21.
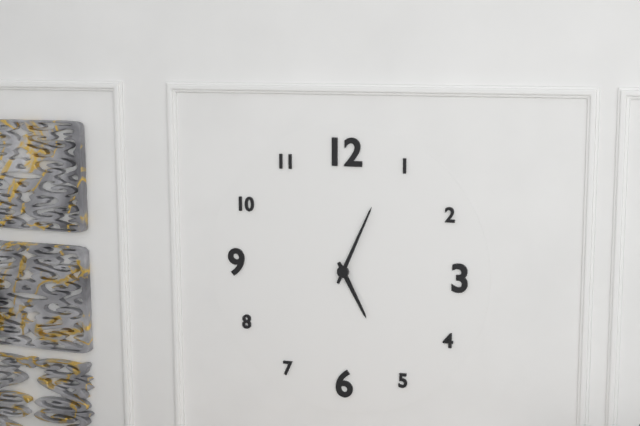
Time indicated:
5h04
